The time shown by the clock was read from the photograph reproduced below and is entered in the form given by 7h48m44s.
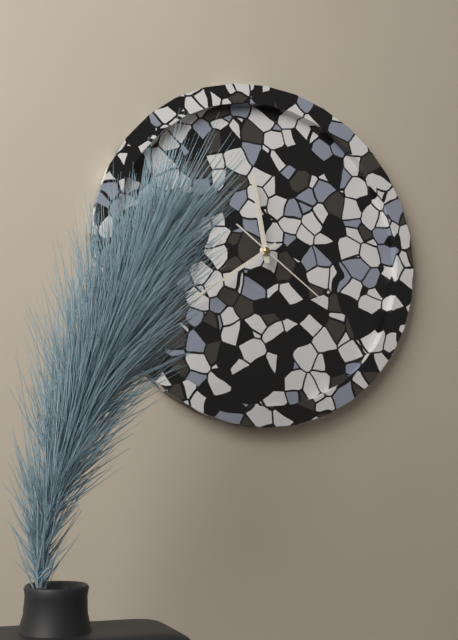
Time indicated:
11h39m21s
